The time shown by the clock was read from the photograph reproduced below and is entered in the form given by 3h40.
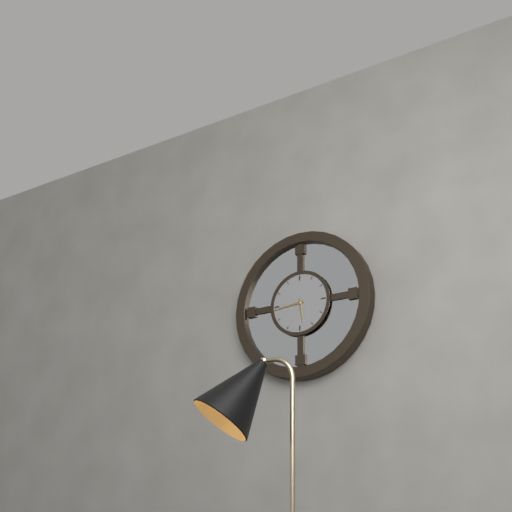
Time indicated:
5h44
